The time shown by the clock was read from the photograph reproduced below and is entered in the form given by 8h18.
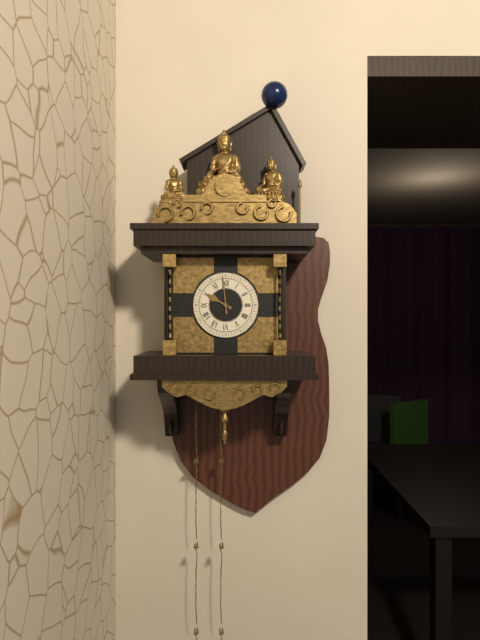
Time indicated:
9h59
